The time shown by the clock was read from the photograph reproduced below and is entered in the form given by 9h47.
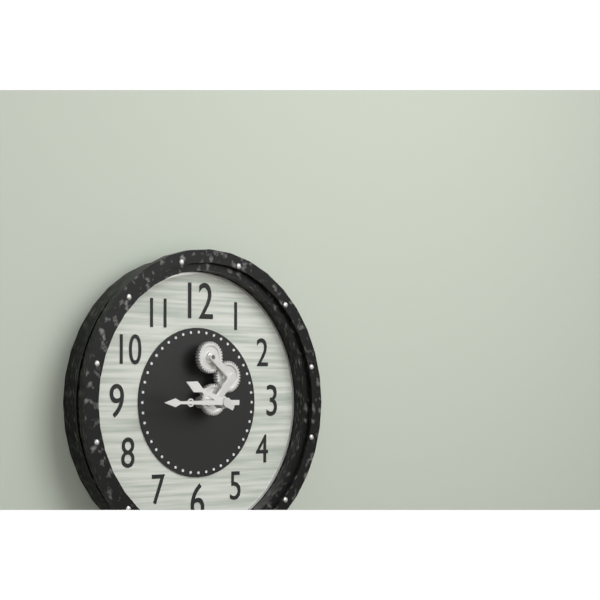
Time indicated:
9h45
